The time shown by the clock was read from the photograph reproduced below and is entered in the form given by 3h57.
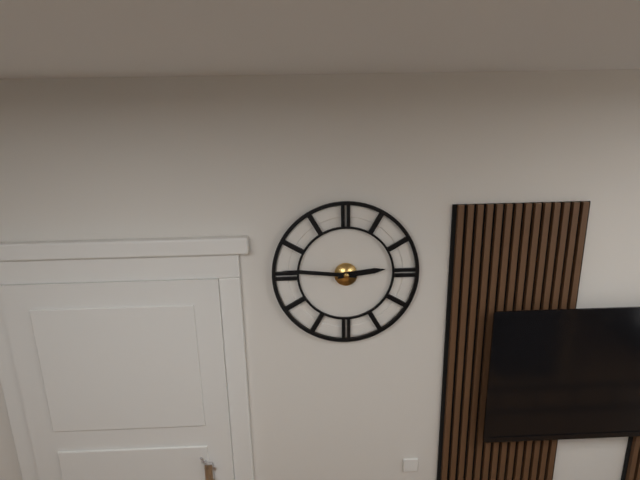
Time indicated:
2h46
